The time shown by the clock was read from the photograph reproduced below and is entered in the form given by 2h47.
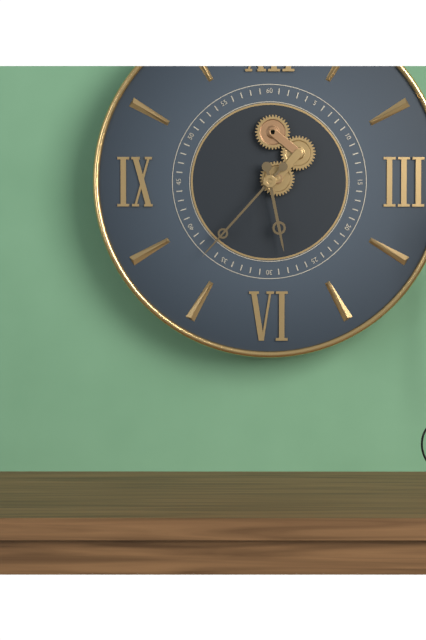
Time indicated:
5h37
